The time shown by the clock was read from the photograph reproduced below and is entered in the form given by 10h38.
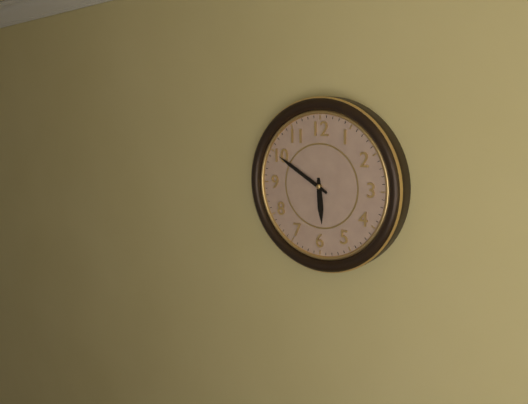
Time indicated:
5h50
